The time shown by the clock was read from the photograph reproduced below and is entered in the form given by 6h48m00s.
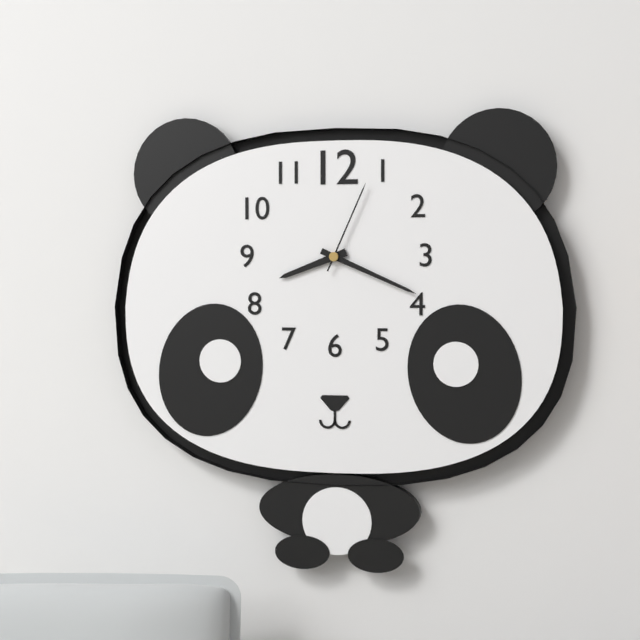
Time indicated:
8h19m04s
